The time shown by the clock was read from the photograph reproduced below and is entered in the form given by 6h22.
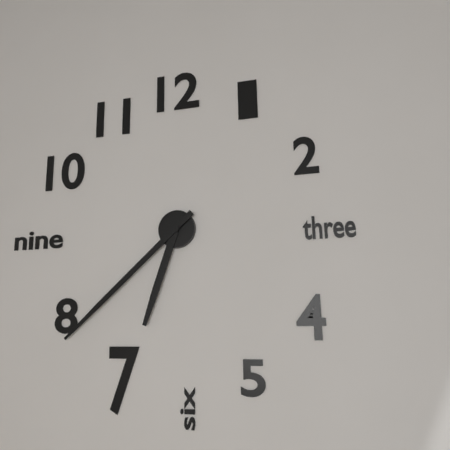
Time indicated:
6h38
